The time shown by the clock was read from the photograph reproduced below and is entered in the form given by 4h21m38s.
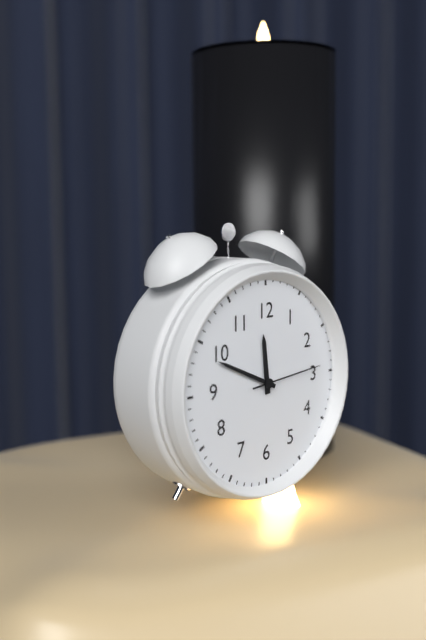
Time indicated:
11h49m14s
